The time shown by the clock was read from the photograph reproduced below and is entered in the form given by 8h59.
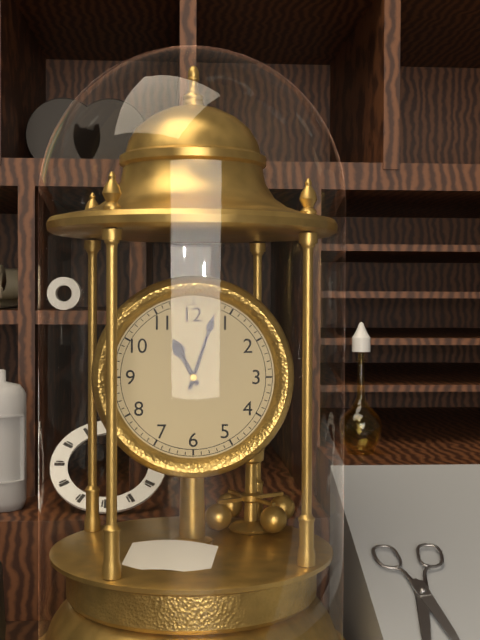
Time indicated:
11h03
